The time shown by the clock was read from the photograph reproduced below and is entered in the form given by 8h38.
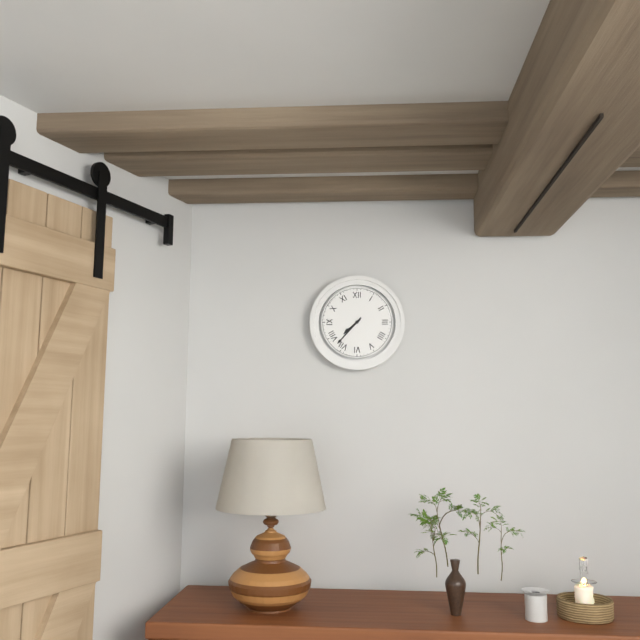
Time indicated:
7h37
